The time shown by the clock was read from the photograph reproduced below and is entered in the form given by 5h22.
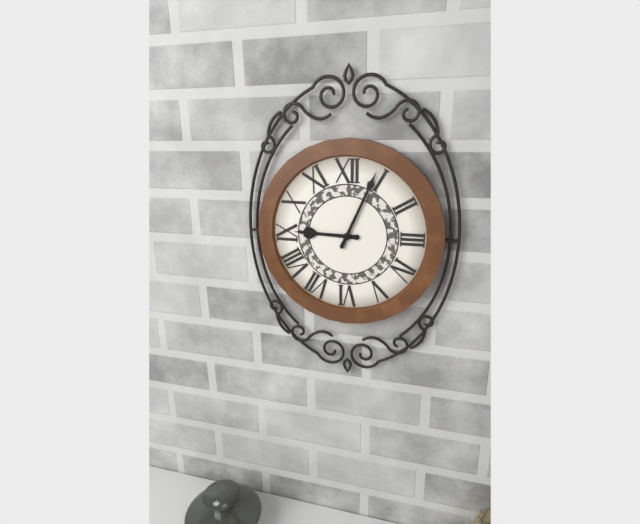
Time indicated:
9h04
